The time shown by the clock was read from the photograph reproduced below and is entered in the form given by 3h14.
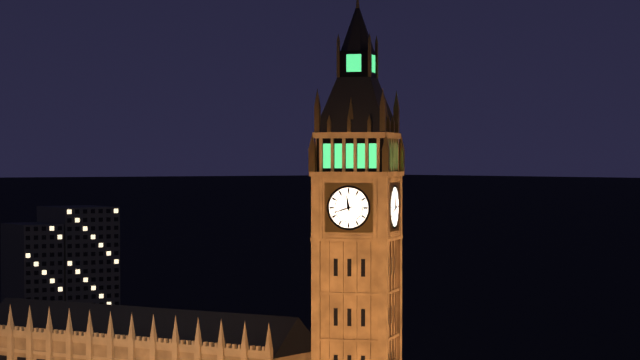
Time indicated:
11h42
